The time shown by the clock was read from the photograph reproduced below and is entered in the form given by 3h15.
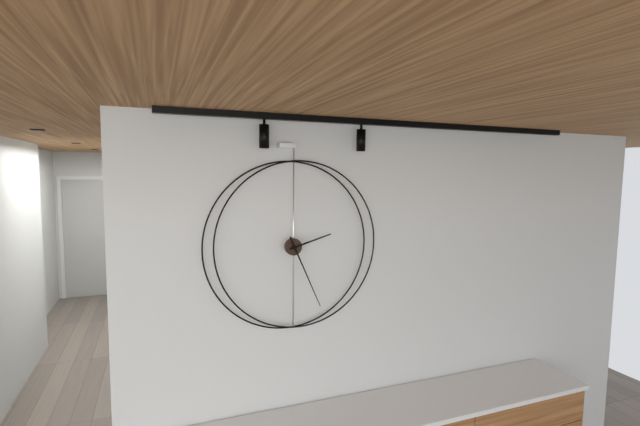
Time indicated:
2h26
